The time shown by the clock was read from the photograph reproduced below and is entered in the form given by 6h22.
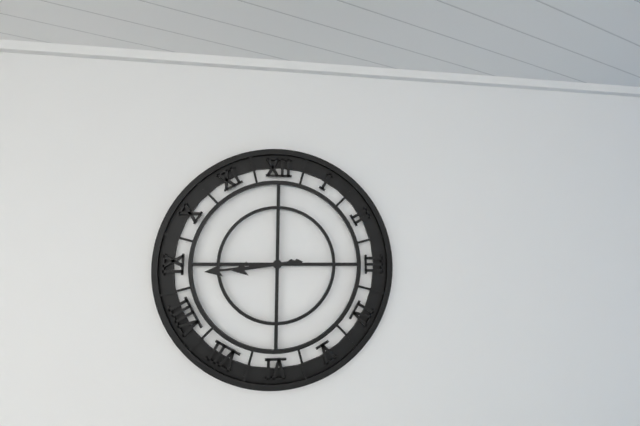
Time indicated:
8h44
